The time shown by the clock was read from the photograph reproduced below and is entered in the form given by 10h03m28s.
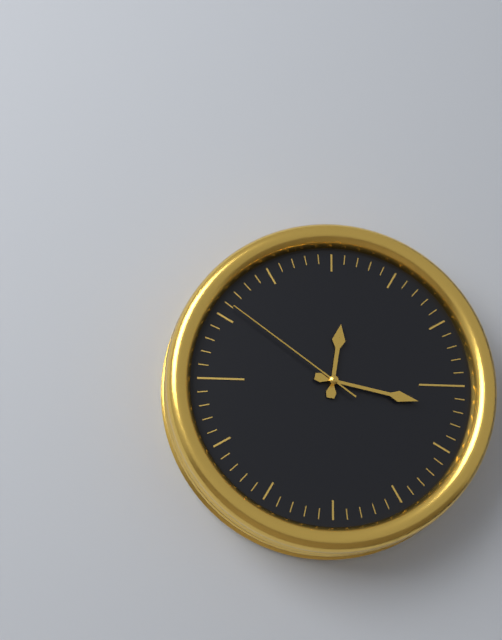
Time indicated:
12h17m51s
